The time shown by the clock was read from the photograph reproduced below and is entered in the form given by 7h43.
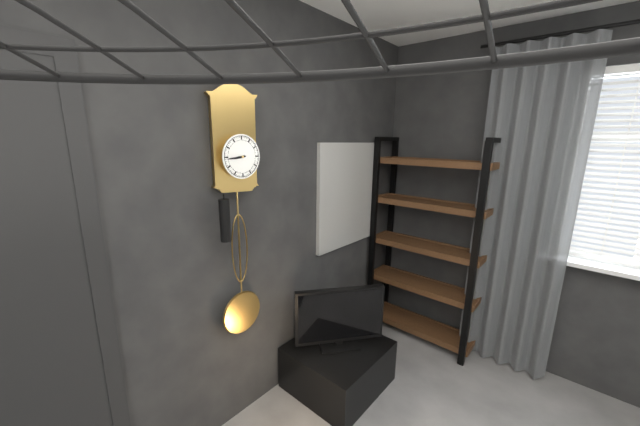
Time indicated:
8h44
